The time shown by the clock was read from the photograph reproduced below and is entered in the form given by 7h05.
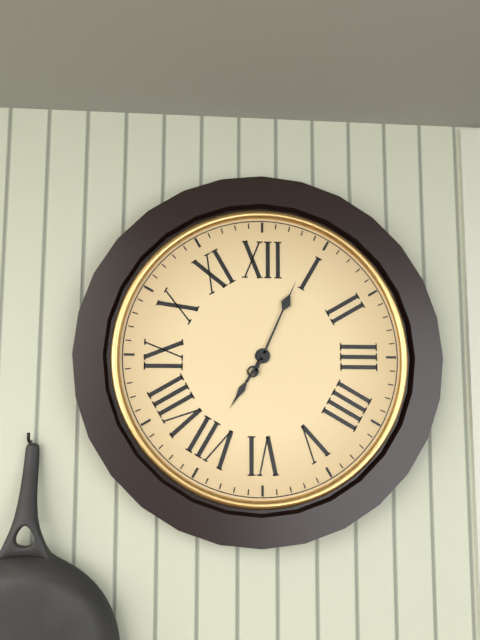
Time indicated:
7h04
